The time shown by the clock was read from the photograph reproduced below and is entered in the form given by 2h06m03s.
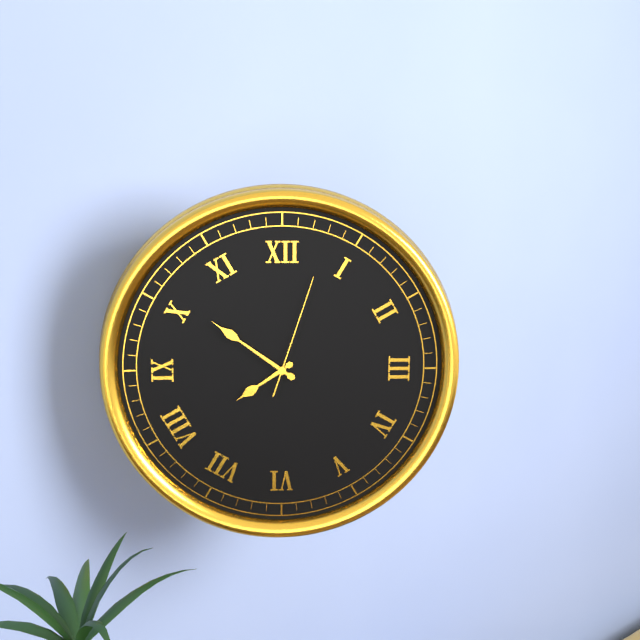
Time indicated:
7h51m03s
